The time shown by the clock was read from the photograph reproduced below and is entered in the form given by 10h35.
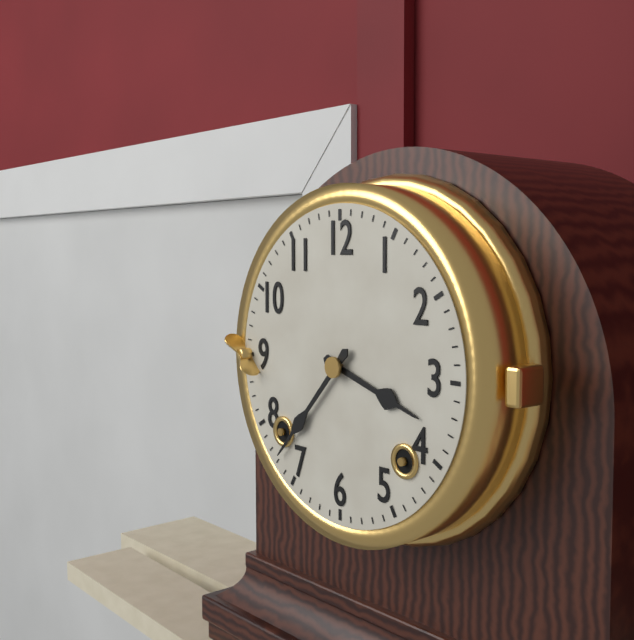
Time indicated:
3h37
